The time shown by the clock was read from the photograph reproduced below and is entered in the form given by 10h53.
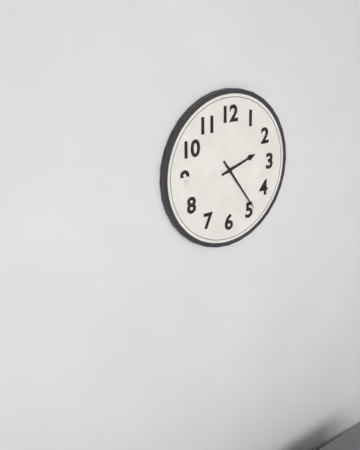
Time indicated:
2h24
